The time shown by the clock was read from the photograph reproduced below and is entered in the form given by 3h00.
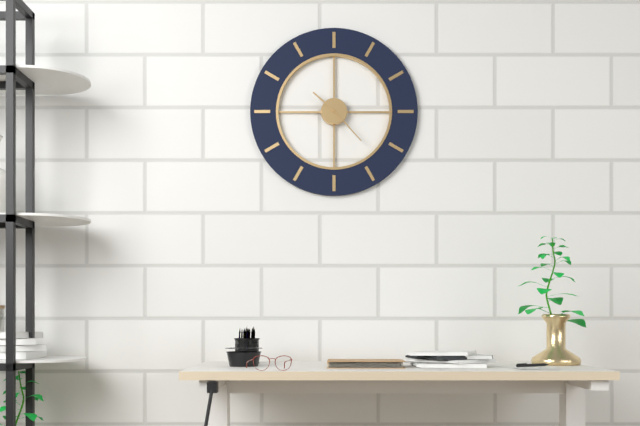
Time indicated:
10h23
